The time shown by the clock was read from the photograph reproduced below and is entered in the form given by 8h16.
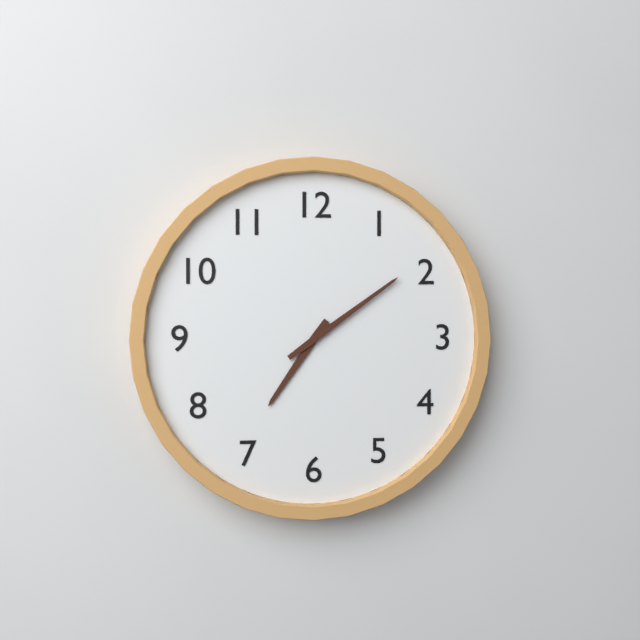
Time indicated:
7h09
